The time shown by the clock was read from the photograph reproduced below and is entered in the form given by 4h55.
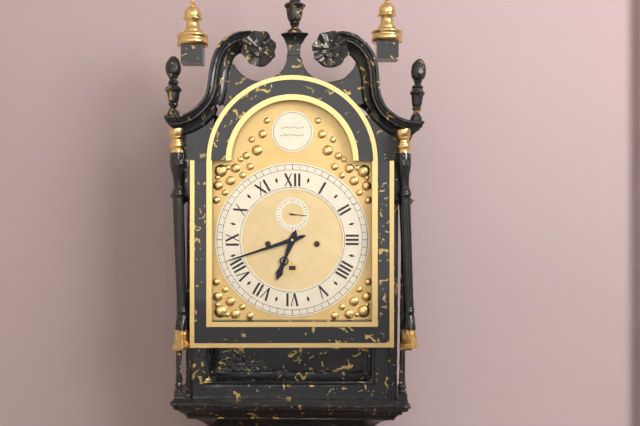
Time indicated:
6h42
